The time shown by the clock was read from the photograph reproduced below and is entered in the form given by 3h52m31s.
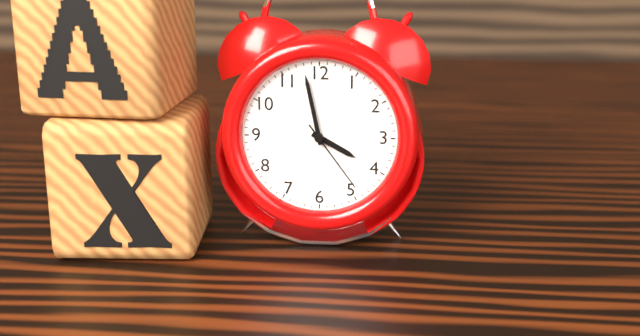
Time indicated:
3h58m24s
